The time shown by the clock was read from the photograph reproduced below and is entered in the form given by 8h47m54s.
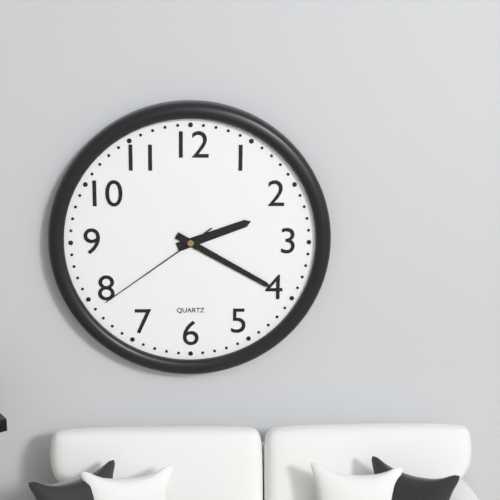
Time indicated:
2h20m39s
